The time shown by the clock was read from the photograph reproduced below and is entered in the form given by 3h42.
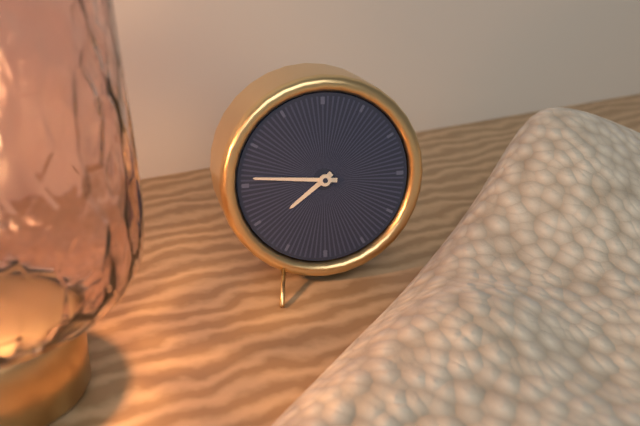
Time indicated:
7h46
